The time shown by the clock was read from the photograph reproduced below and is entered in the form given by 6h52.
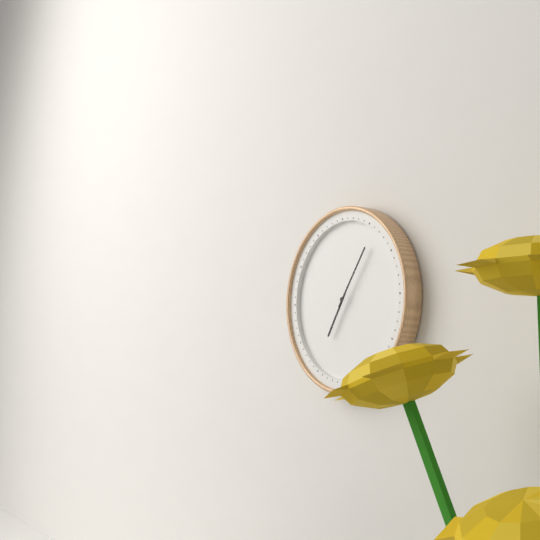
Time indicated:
7h06
